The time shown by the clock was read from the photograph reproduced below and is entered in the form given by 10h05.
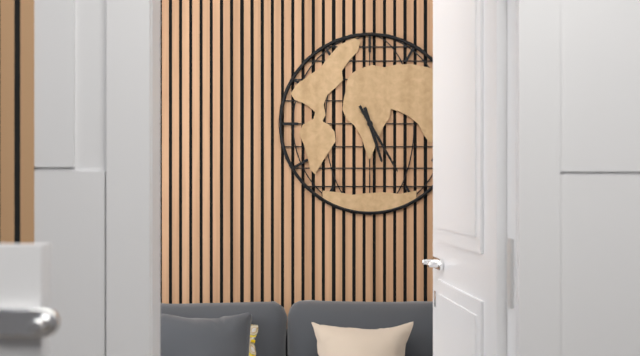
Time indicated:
5h25
